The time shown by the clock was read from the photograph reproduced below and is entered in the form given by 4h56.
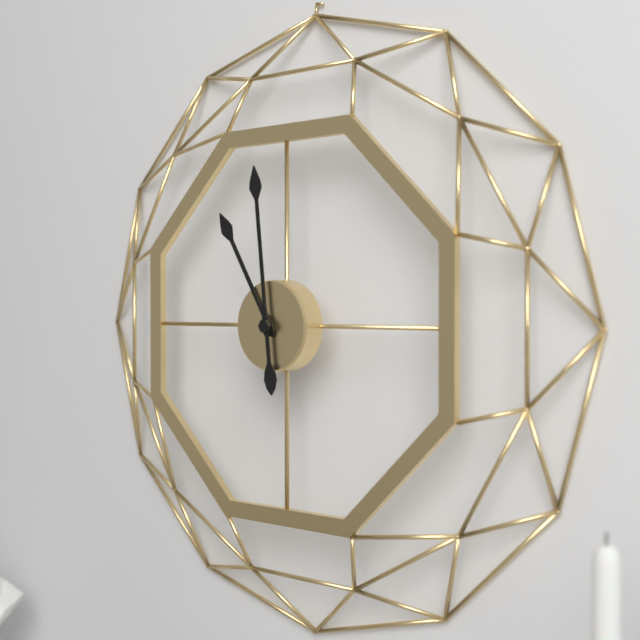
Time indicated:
10h59
